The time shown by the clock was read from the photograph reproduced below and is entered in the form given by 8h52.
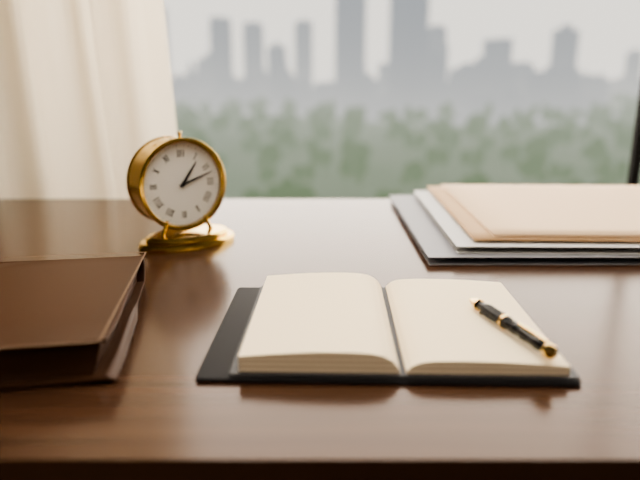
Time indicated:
1h12
